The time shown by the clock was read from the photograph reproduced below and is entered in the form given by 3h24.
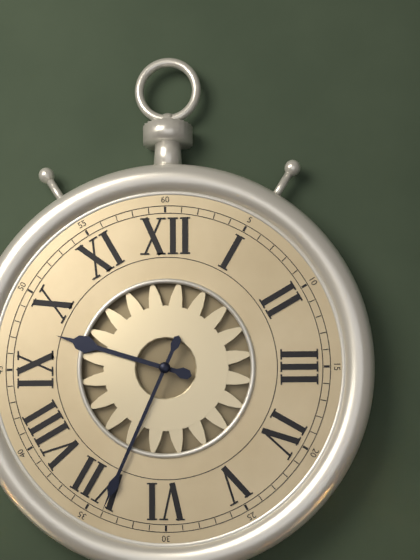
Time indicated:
9h34
